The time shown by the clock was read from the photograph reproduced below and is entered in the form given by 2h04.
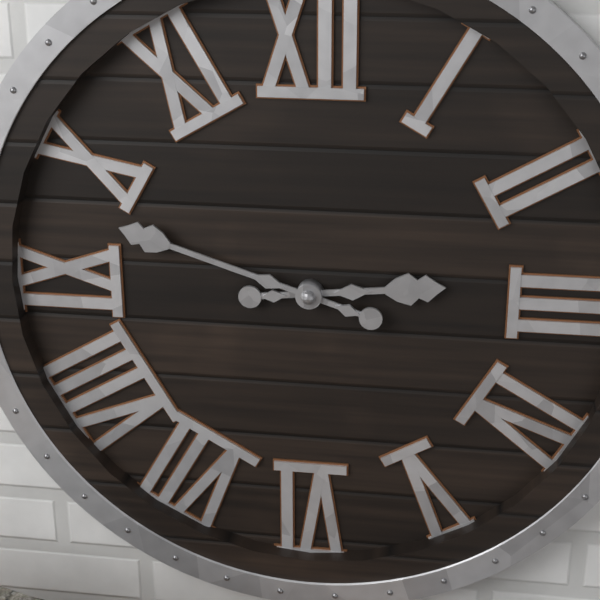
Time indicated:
2h48
